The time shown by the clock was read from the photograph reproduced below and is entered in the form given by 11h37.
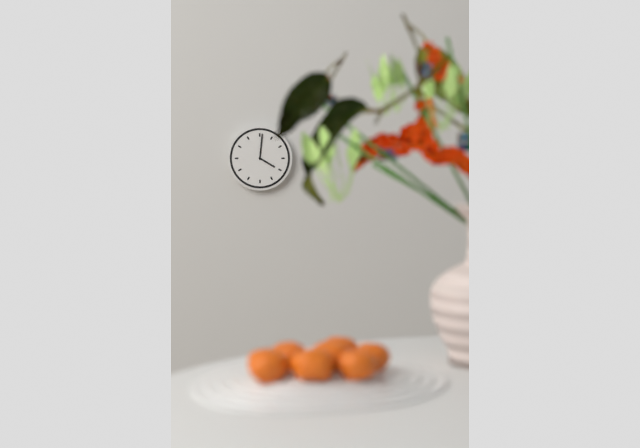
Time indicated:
4h01
